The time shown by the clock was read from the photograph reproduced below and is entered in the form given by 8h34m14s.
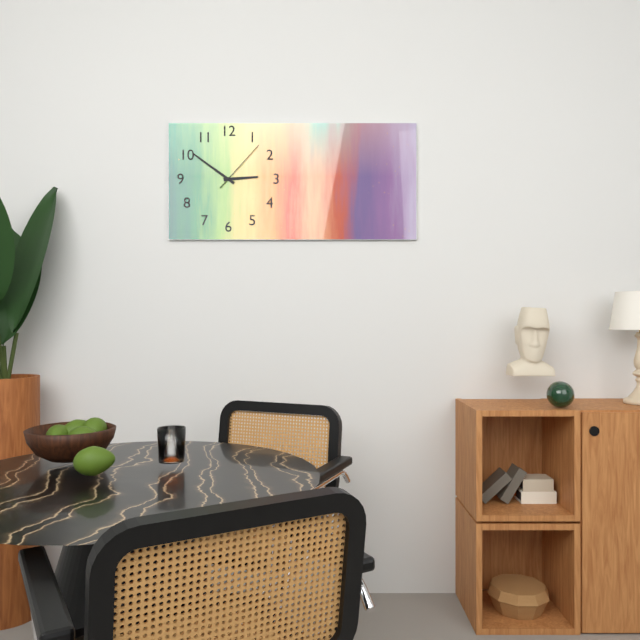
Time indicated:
2h51m07s
